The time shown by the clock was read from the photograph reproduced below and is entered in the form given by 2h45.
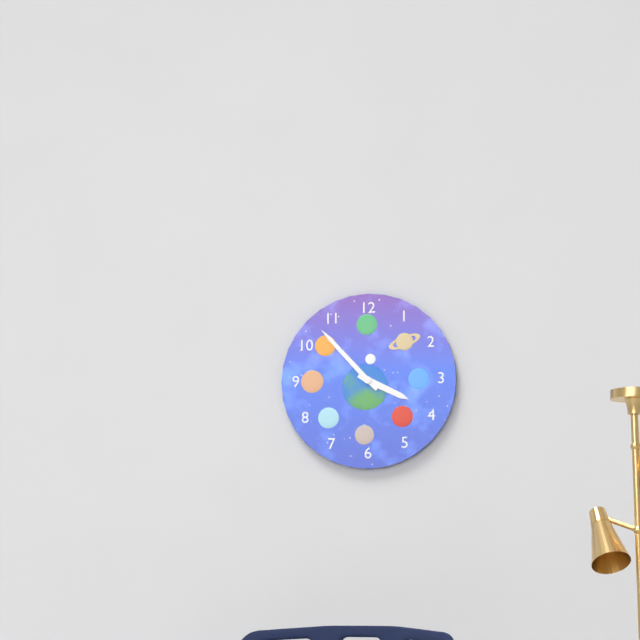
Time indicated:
3h53
